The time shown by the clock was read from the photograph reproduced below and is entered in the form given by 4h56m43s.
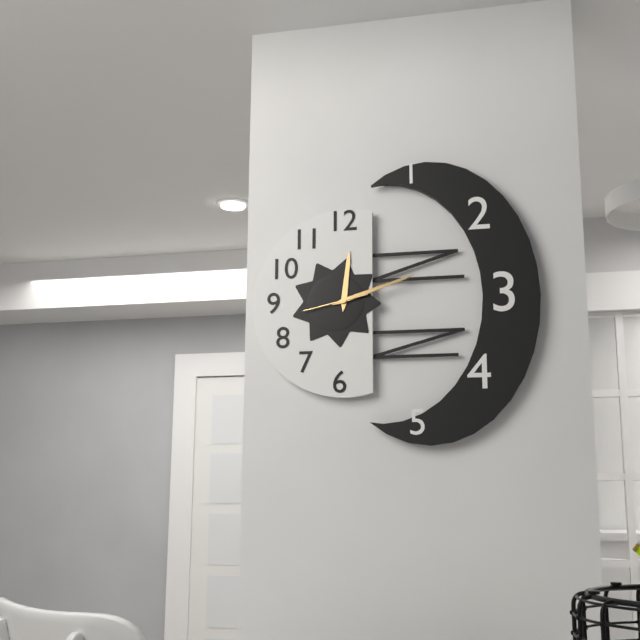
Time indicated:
12h12m43s
